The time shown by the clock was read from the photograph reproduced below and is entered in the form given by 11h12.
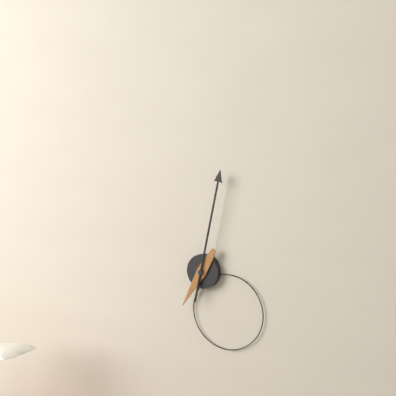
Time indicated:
7h02
